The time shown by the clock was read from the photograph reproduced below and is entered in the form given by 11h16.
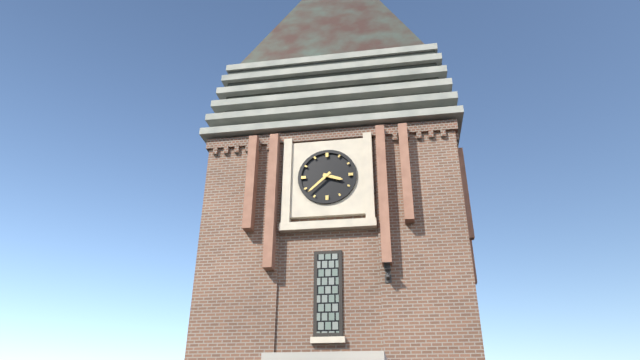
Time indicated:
3h38
